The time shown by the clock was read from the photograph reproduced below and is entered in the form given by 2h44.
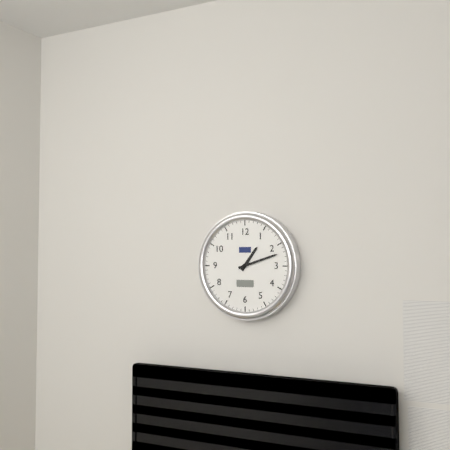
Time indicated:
1h12
